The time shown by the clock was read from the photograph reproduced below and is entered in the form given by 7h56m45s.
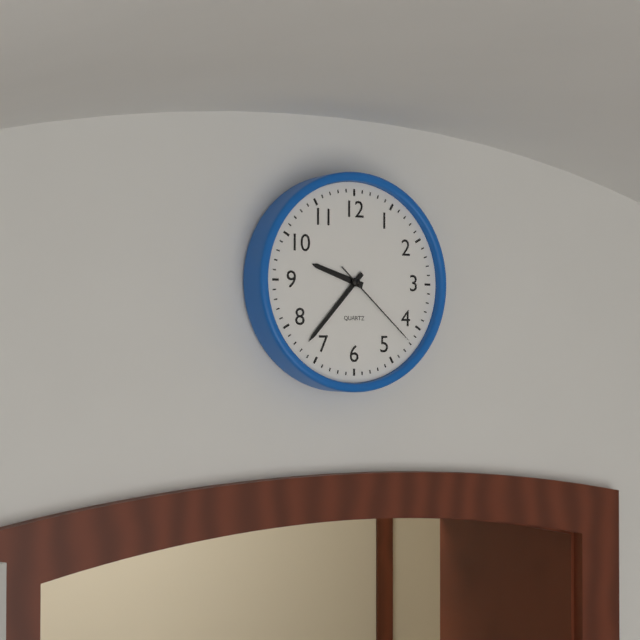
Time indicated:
9h37m22s
